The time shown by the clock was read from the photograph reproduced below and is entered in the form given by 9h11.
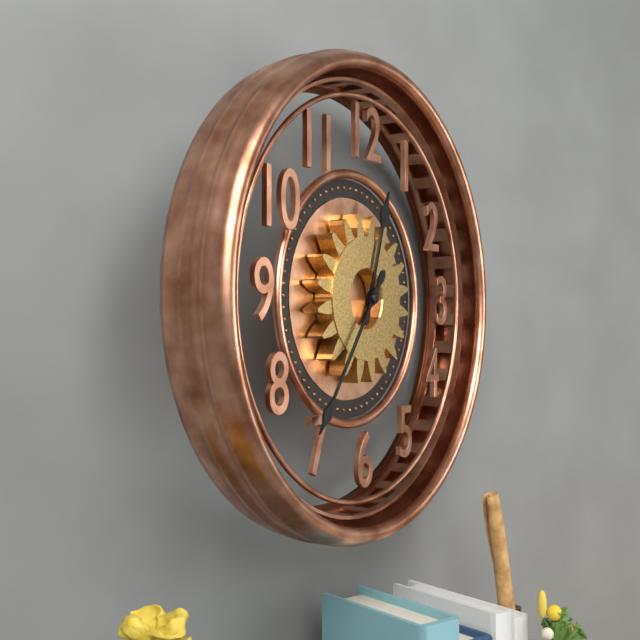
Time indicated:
12h36
